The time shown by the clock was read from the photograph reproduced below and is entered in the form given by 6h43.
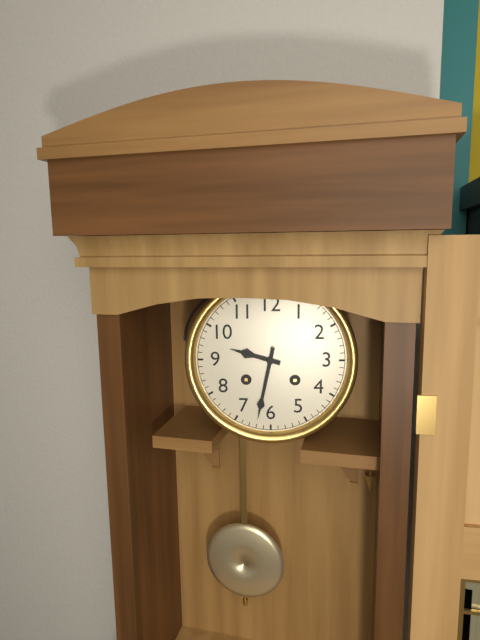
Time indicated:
9h32
